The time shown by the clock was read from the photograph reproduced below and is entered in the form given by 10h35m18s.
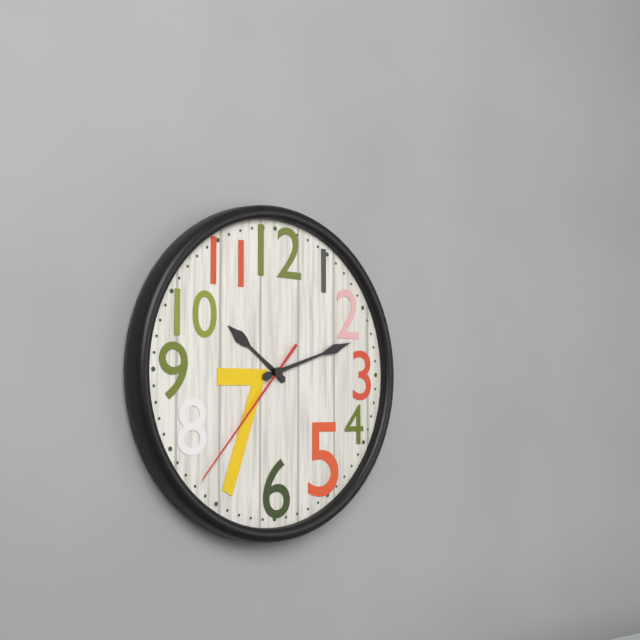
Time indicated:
10h12m37s
